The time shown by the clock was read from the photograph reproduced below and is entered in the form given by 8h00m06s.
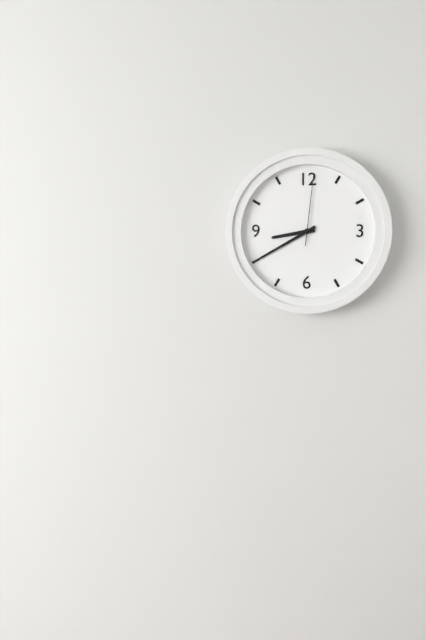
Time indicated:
8h40m01s
